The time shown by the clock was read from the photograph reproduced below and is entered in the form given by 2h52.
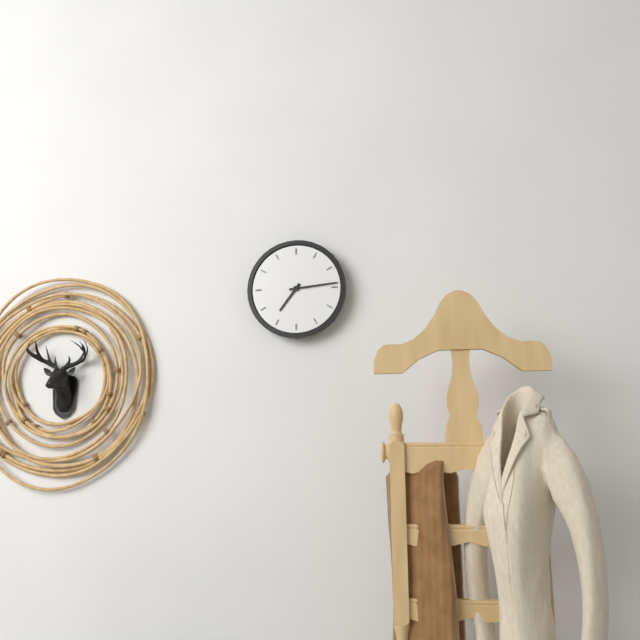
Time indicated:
7h14
